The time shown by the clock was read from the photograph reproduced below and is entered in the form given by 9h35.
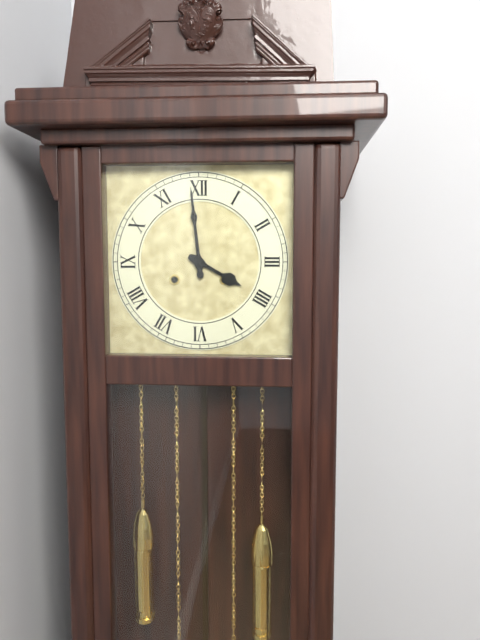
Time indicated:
3h59
